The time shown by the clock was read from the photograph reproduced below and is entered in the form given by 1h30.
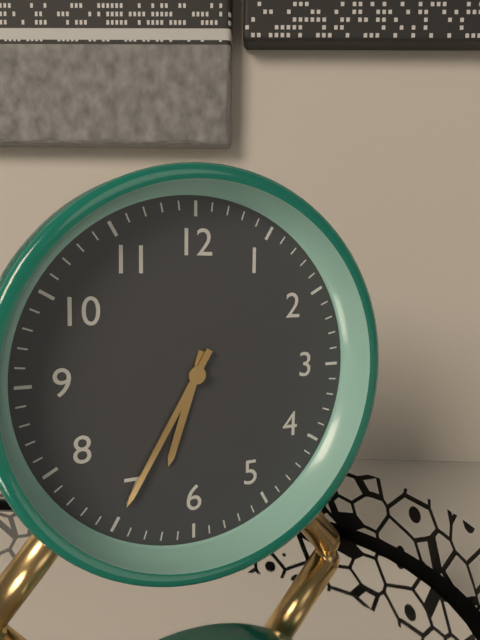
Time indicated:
6h35
